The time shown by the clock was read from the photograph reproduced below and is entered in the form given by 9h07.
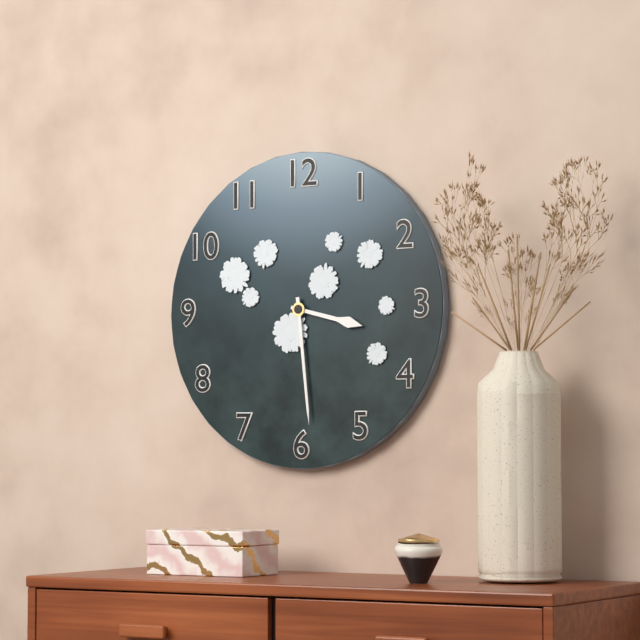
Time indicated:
3h29
